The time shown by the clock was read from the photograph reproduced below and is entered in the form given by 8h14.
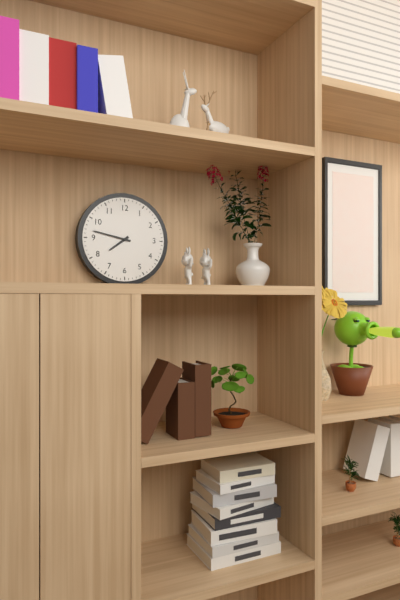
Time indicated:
7h47
